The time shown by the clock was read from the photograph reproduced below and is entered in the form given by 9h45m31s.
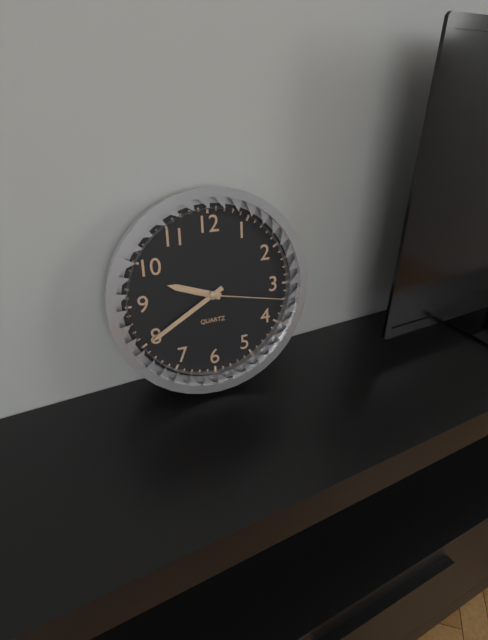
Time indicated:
9h40m17s
